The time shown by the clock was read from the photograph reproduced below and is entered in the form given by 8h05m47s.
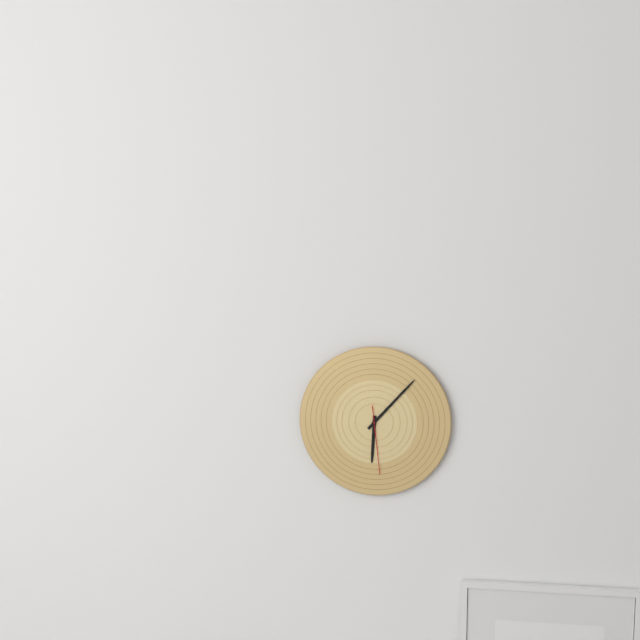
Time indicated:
6h07m29s
